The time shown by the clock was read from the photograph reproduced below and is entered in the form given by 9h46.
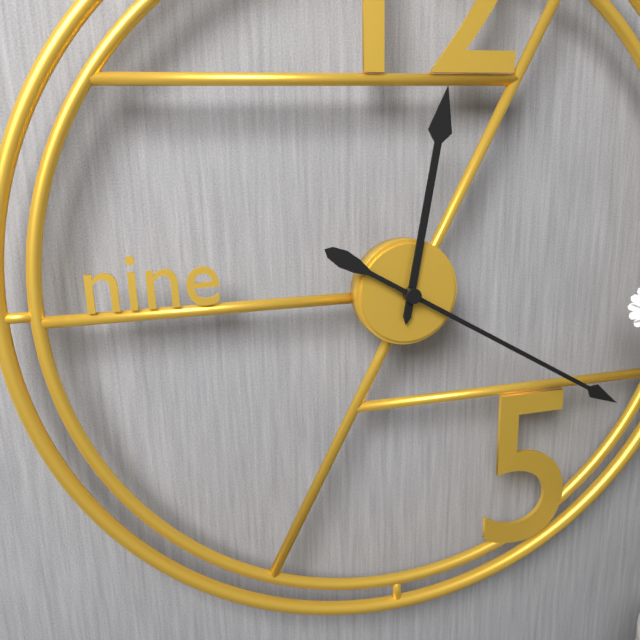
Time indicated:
12h20
